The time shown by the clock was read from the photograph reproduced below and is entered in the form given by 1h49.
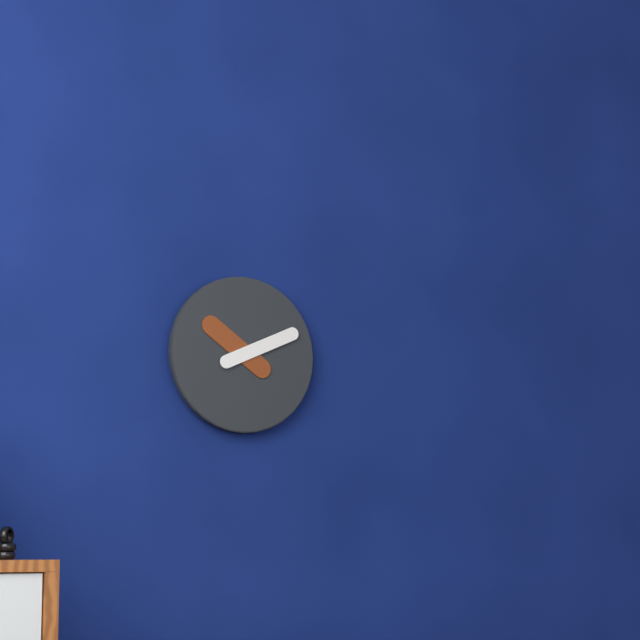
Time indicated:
10h11
